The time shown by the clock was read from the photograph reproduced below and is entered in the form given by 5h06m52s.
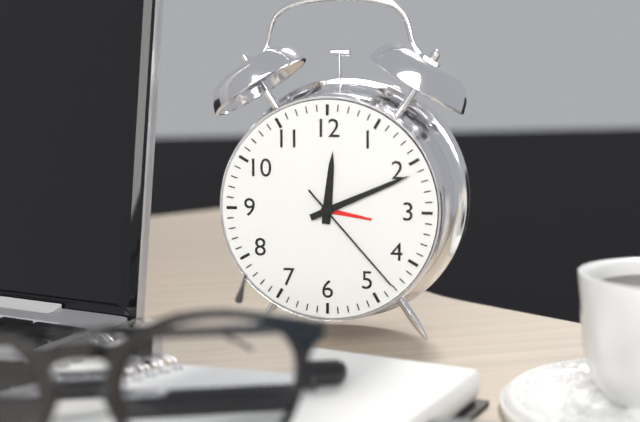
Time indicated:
12h11m23s
